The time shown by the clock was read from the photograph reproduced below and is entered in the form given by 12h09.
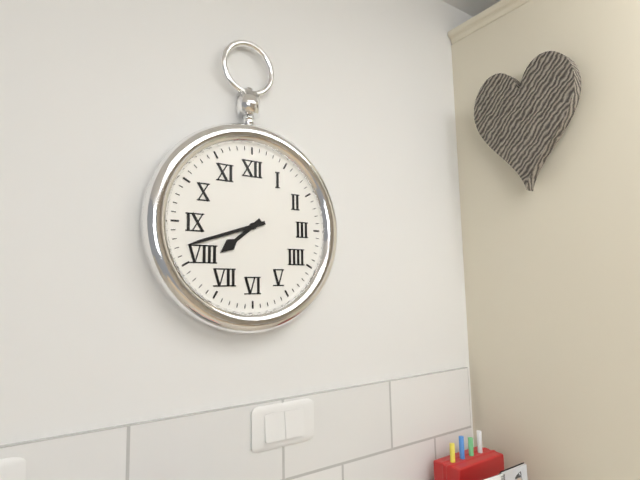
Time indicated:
7h42
